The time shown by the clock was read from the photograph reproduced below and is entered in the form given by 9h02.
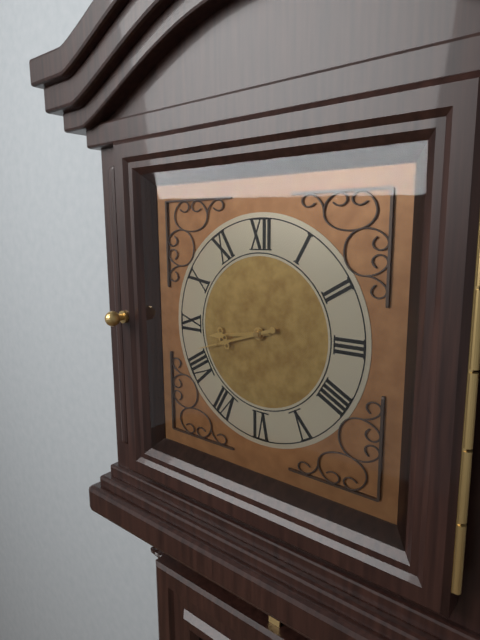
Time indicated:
8h42
